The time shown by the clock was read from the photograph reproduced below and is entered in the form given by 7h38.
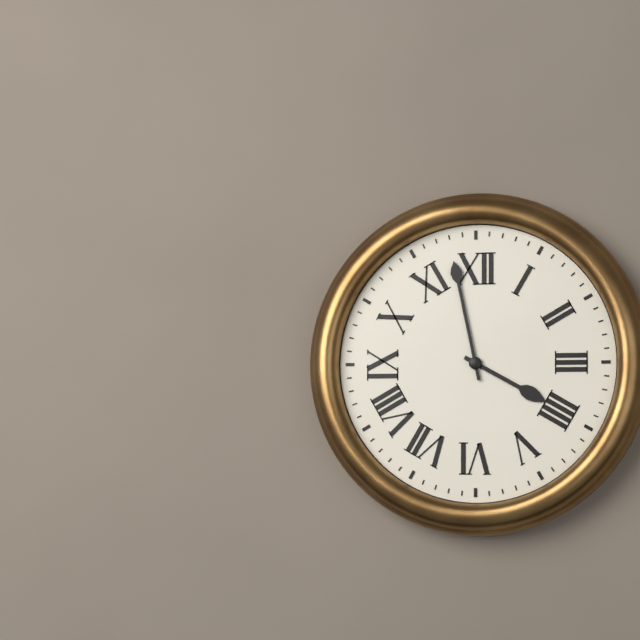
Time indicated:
3h58
